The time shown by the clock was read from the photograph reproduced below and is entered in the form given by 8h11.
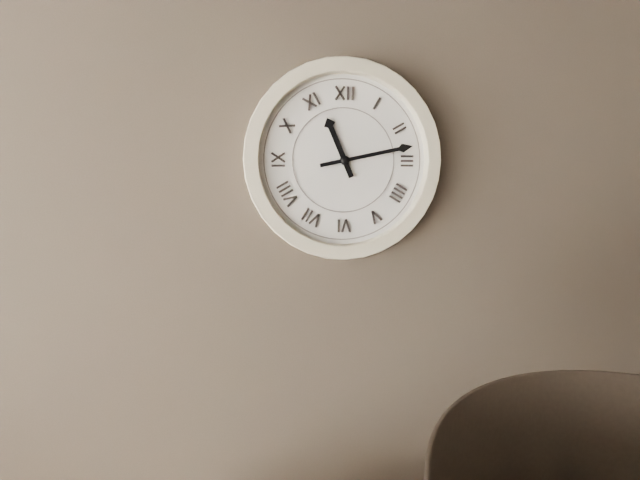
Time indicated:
11h13
